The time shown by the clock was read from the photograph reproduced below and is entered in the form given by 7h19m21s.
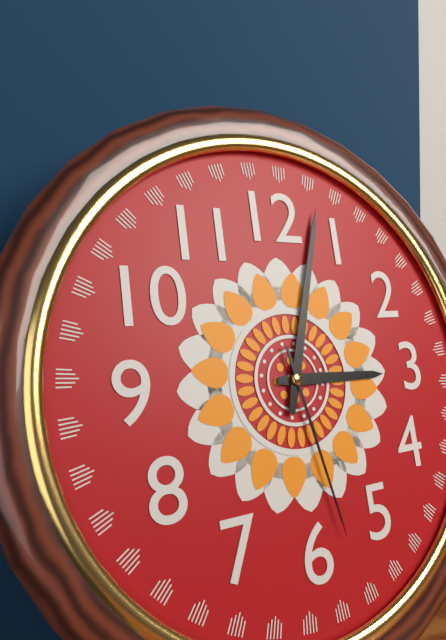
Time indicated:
3h03m28s
